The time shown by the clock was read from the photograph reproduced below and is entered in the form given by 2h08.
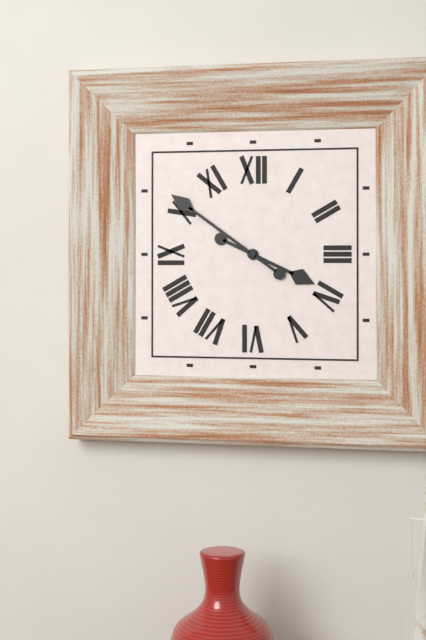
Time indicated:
3h51
